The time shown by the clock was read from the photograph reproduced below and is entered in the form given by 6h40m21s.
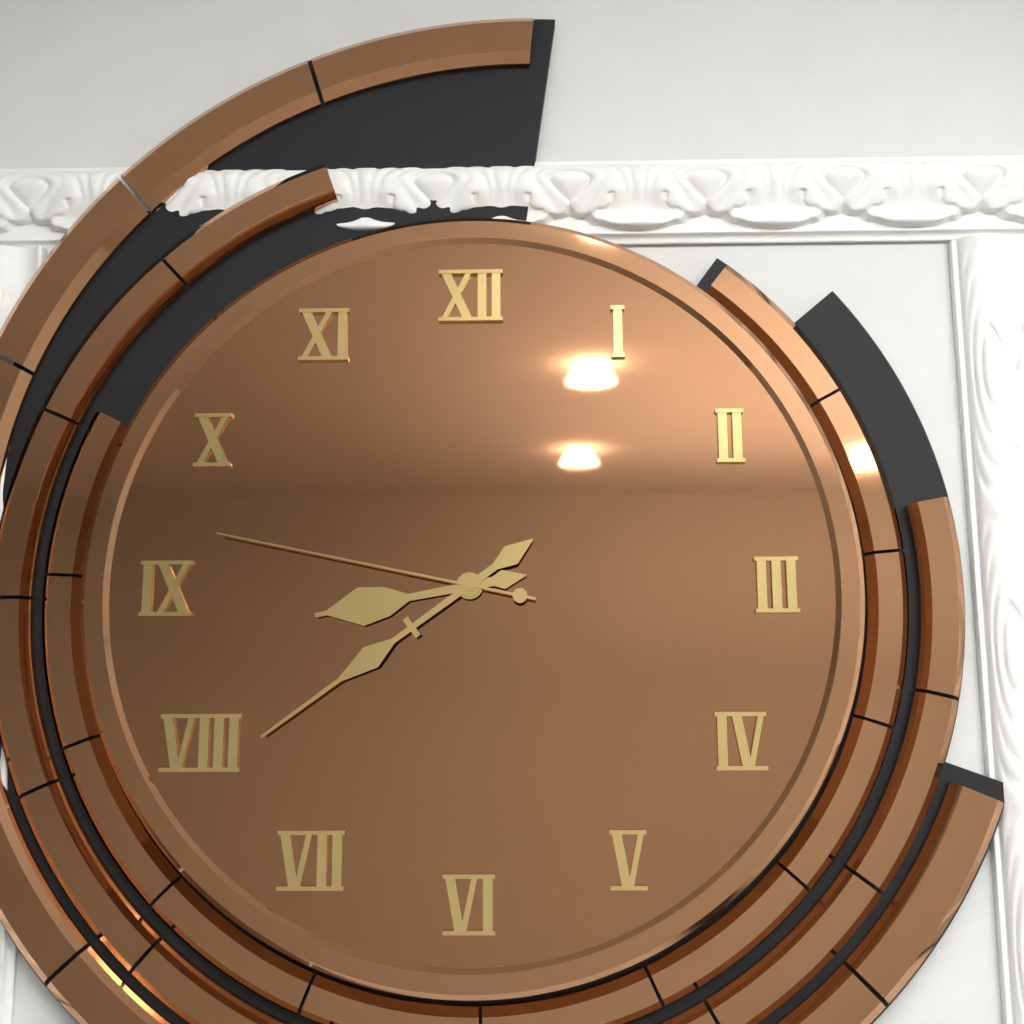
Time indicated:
8h39m47s
